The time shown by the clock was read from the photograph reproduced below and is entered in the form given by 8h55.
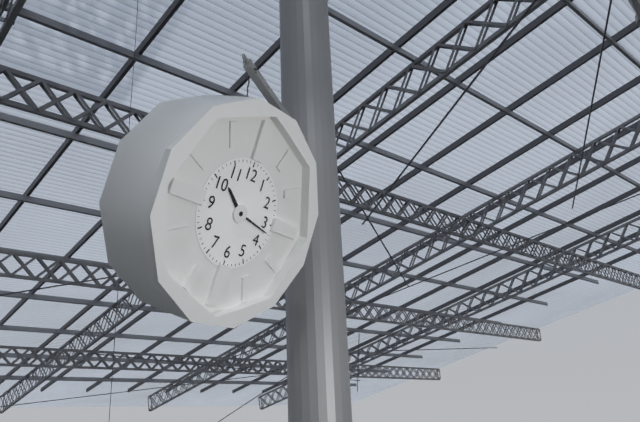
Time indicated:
10h17
